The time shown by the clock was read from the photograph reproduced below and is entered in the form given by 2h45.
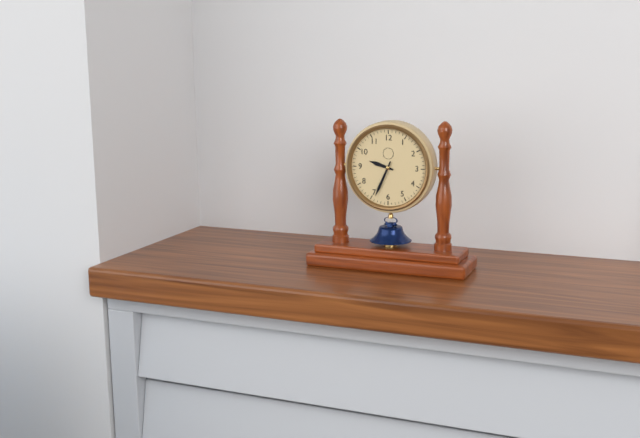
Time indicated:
9h34
